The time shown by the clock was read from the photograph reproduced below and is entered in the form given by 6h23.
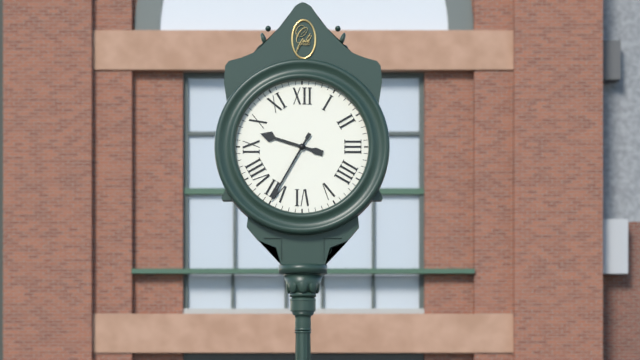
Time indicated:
9h35
